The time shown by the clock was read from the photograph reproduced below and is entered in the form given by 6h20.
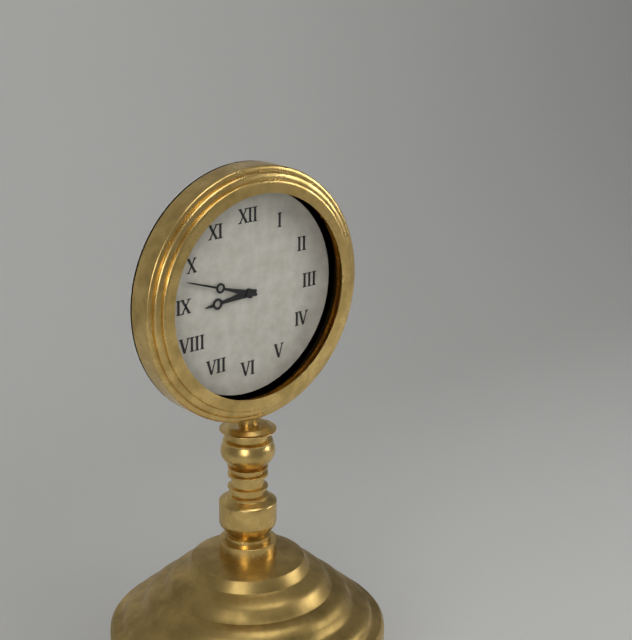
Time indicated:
8h48
